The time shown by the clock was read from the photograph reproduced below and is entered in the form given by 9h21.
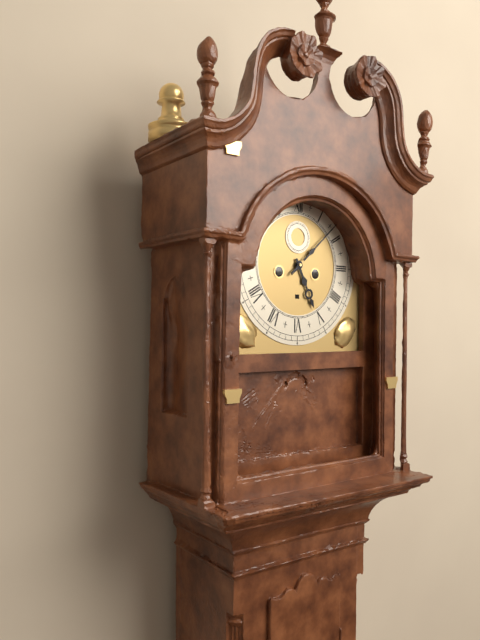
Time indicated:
5h08
